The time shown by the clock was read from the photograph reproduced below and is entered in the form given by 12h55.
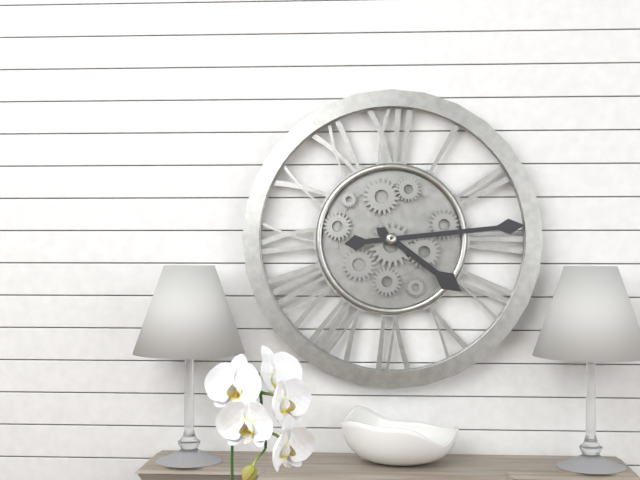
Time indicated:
4h14
